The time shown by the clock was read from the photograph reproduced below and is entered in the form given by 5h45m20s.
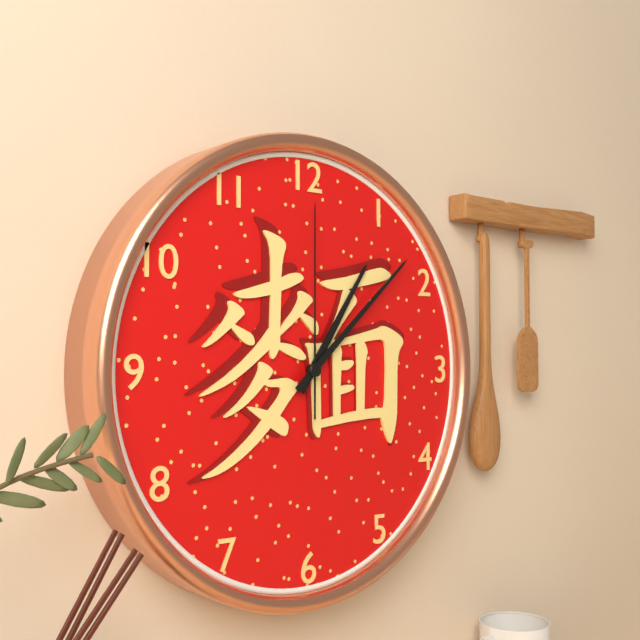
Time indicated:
1h08m00s
